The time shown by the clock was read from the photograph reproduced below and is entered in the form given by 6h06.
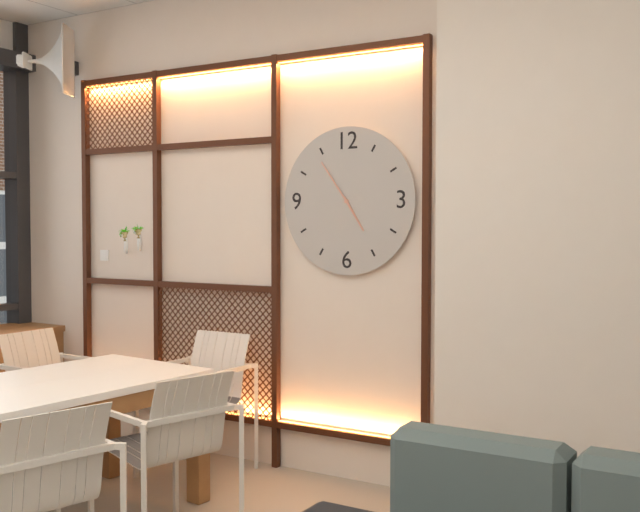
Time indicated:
4h54
